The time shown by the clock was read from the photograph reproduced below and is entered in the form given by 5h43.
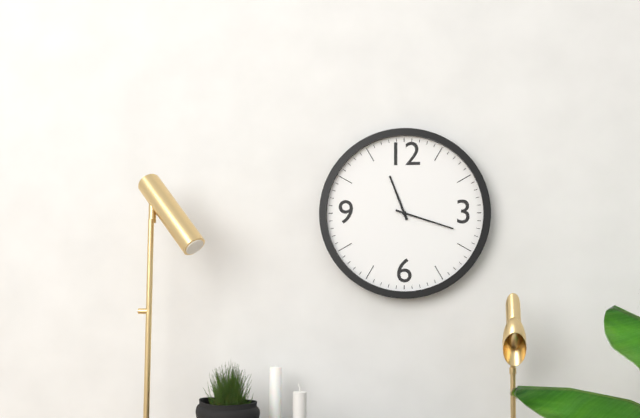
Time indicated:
11h18
